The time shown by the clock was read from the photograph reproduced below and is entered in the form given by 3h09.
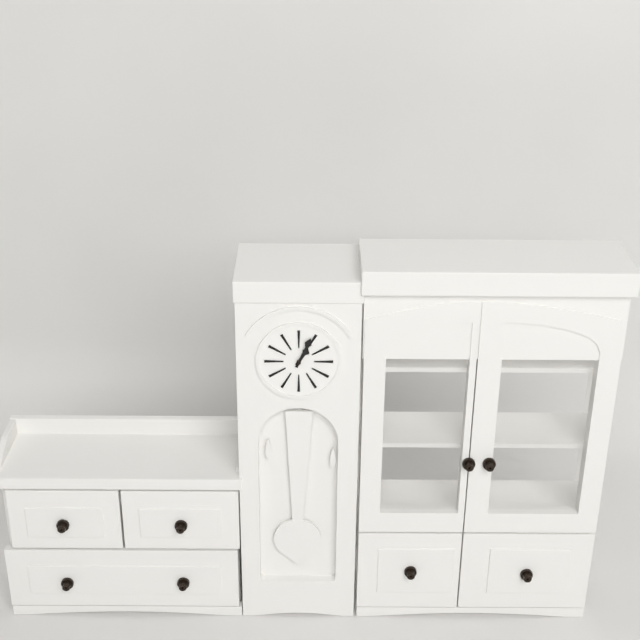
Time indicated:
1h04
